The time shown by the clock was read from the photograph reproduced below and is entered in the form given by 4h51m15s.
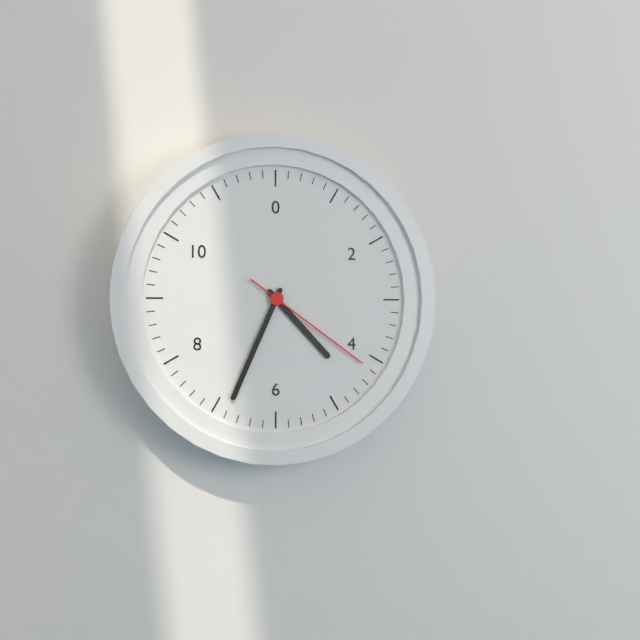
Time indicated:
4h34m21s
